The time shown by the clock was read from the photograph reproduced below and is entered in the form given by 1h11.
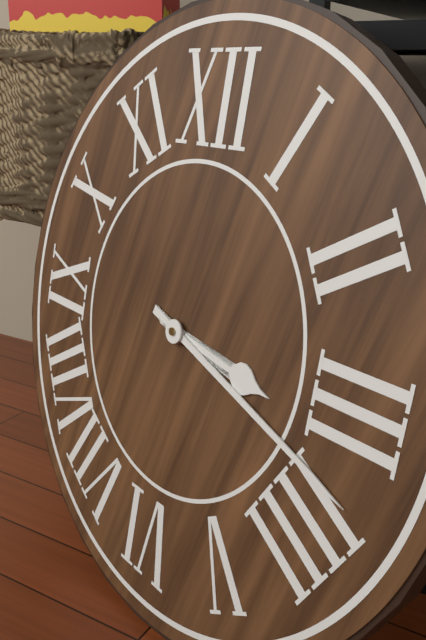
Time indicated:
3h18
